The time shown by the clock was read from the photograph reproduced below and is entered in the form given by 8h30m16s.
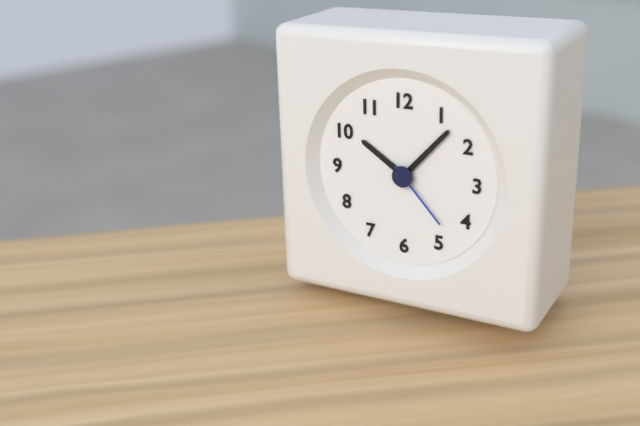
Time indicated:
10h07m23s
